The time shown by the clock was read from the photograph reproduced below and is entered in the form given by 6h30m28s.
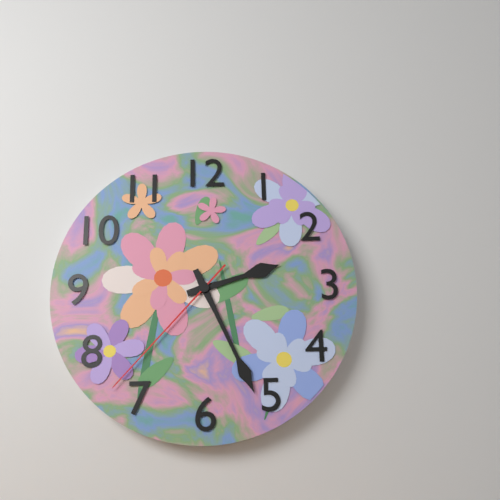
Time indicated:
2h26m37s
